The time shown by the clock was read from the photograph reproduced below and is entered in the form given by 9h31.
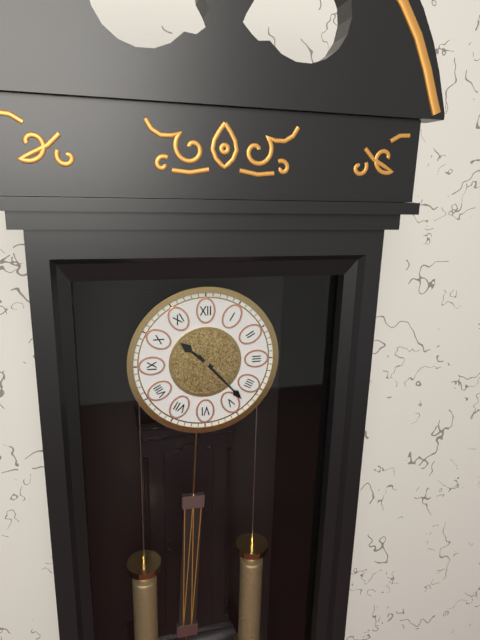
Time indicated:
10h23
